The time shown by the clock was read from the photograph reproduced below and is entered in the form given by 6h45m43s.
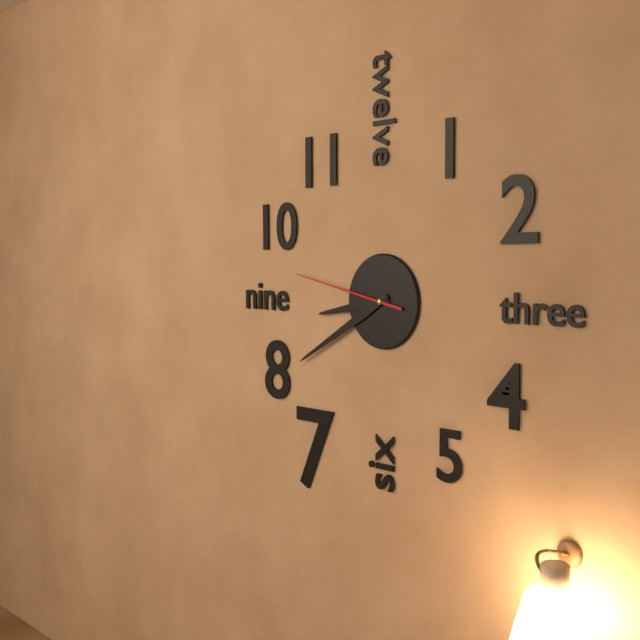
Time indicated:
8h40m47s
